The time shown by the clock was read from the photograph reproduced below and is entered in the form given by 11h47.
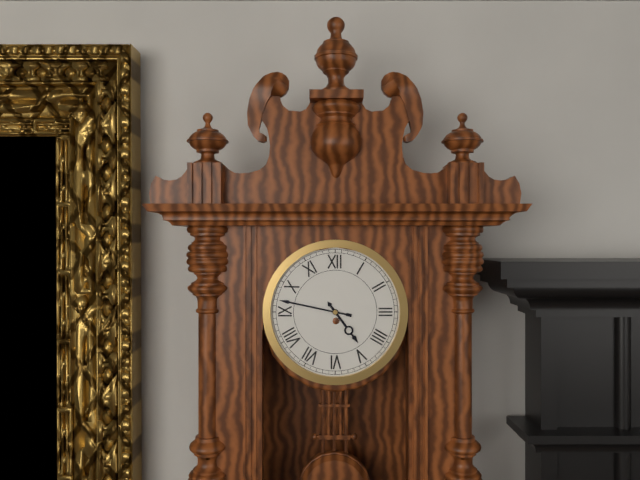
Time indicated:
4h47
